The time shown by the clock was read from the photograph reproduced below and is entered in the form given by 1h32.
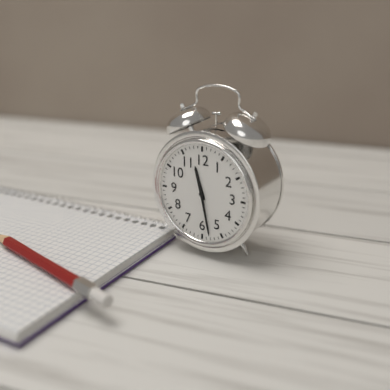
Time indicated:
11h28
